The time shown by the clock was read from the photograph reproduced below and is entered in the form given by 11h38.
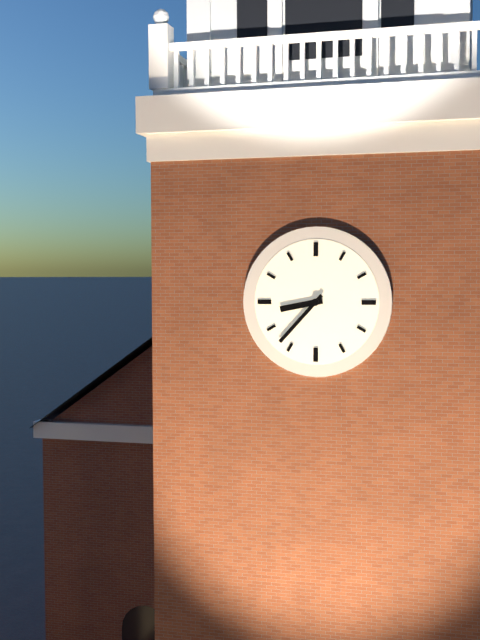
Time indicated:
8h37
